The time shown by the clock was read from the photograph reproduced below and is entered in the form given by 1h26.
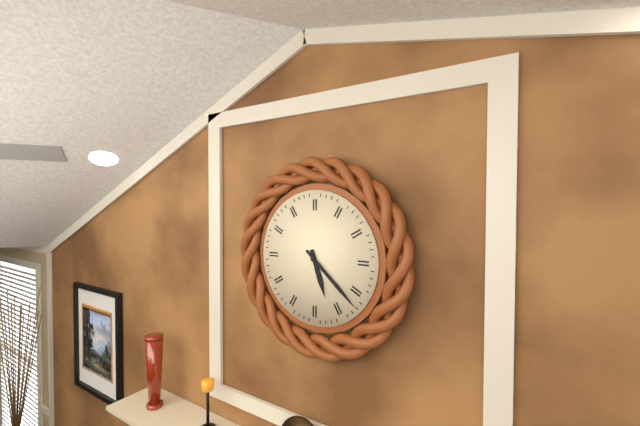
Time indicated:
5h22
